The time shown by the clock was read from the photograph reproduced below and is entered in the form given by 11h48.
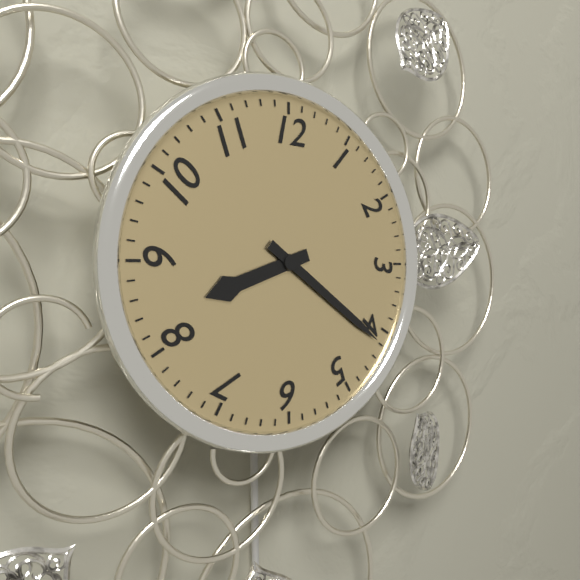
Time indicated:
8h21
